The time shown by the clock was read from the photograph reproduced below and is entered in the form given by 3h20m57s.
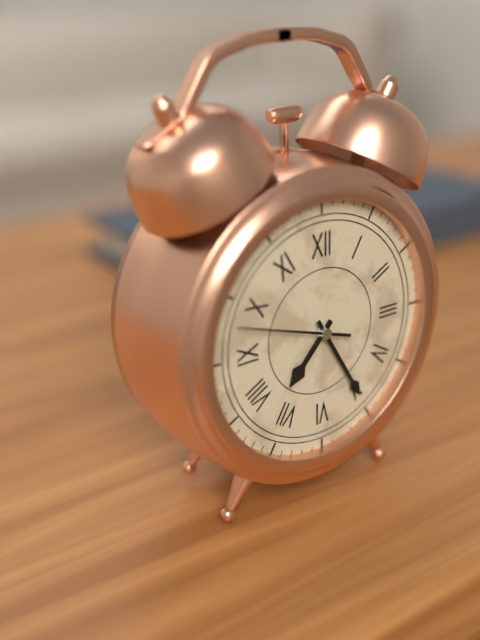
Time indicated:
7h25m48s
